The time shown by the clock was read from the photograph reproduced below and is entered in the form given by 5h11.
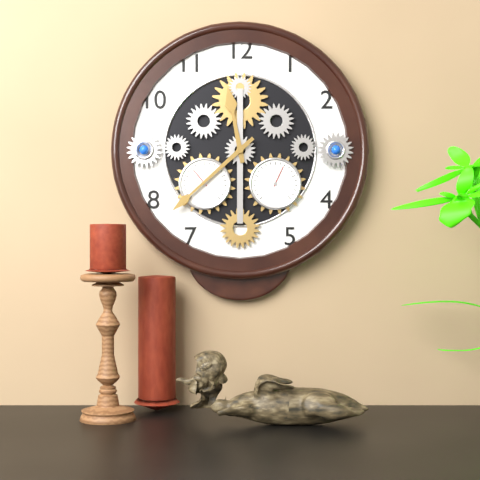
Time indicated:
11h38
